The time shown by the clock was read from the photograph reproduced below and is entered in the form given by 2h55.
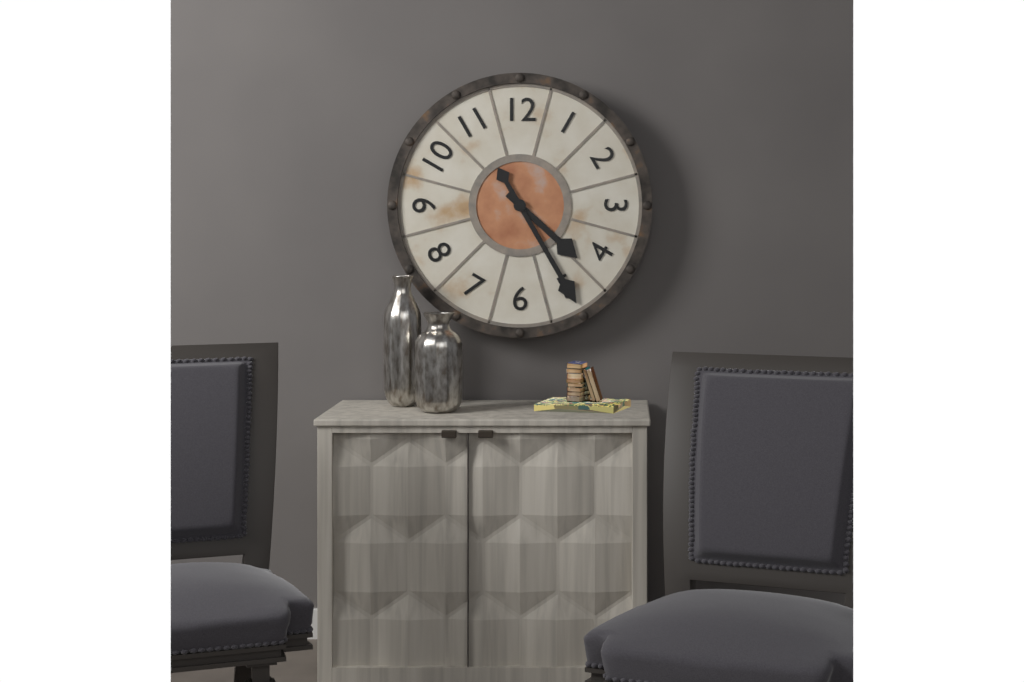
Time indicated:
4h25
